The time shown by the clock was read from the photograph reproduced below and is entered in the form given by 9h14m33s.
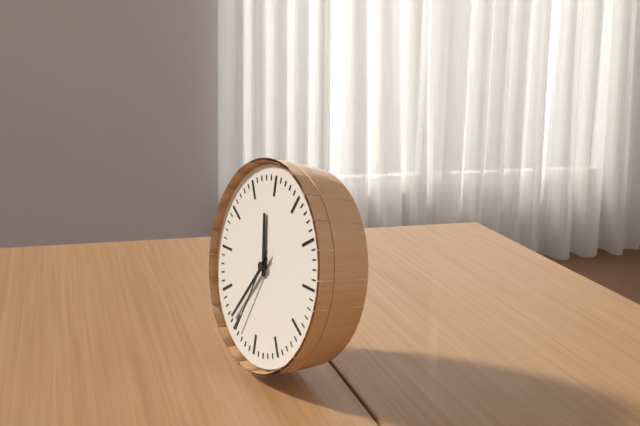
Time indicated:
11h36m34s
